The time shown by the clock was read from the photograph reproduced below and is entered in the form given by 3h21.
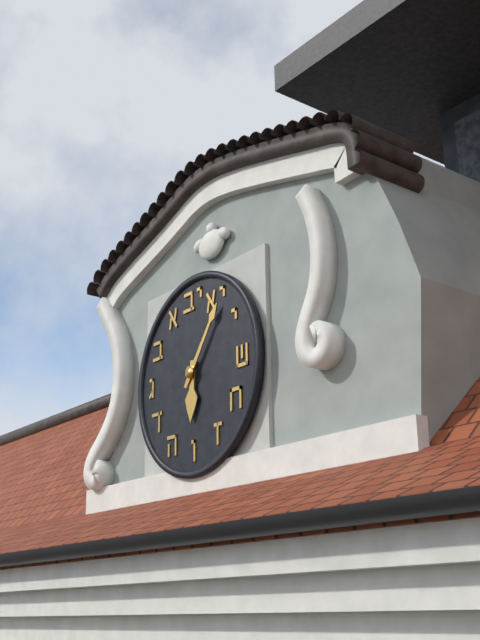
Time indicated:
6h06
